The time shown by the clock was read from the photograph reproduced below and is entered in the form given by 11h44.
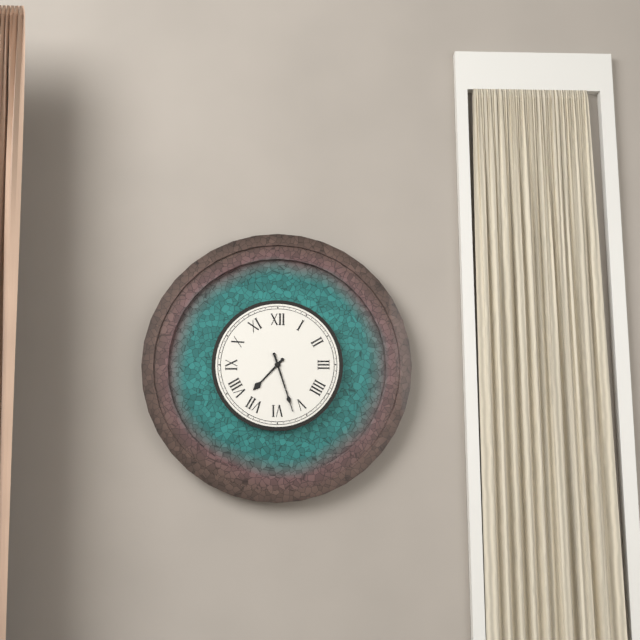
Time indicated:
7h27
